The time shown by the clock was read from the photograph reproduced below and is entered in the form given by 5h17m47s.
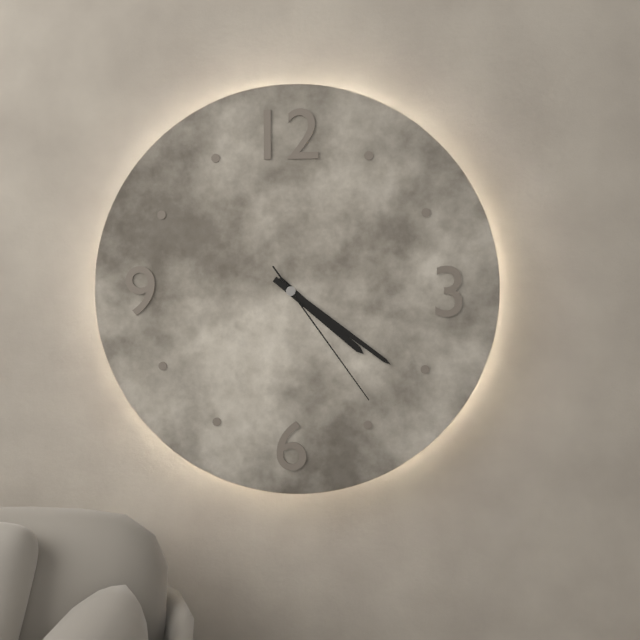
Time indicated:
4h21m24s
